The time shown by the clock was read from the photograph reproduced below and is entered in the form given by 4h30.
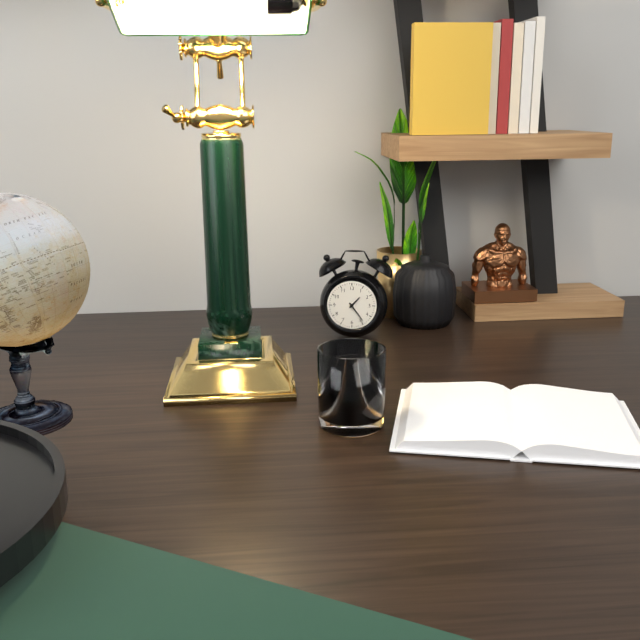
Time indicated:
1h24
